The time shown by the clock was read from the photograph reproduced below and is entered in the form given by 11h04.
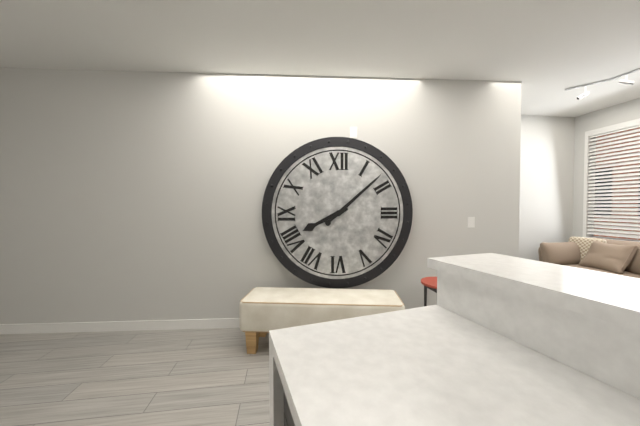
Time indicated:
8h08
